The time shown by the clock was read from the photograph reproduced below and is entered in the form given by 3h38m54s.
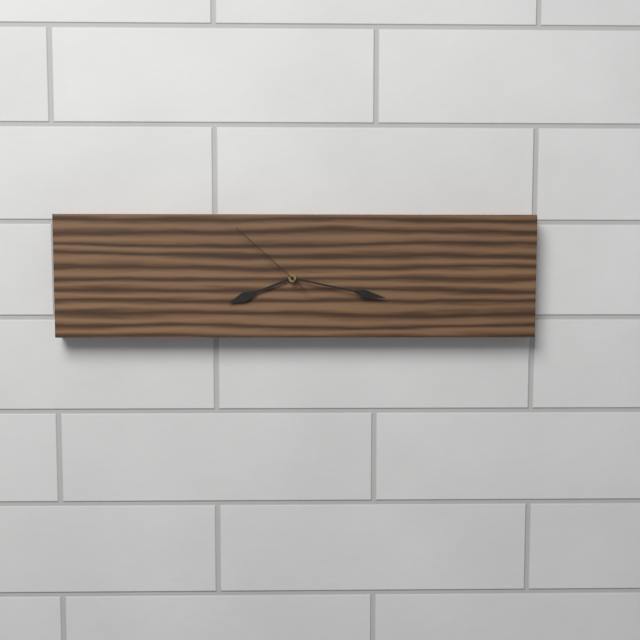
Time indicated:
8h17m52s
